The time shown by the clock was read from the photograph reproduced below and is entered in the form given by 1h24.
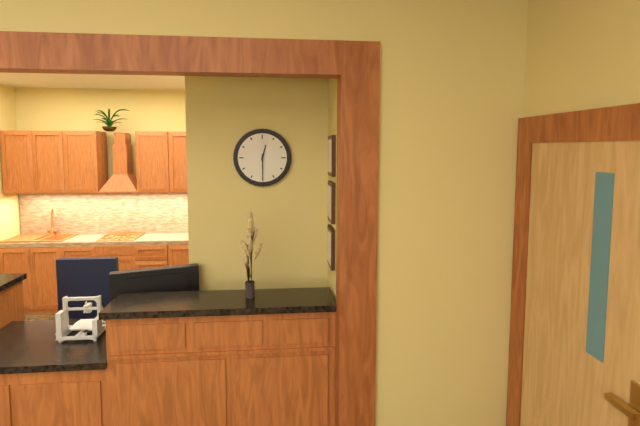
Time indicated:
12h30
